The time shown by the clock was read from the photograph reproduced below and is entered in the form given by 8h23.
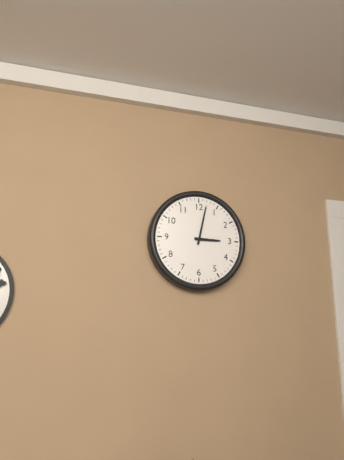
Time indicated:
3h02
